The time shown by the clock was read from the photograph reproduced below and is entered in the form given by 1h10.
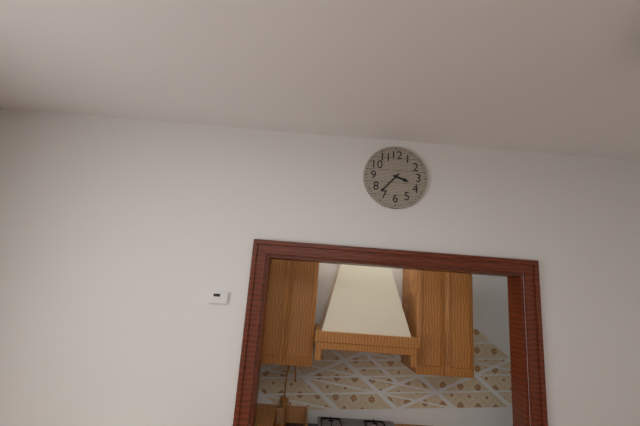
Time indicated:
3h37
